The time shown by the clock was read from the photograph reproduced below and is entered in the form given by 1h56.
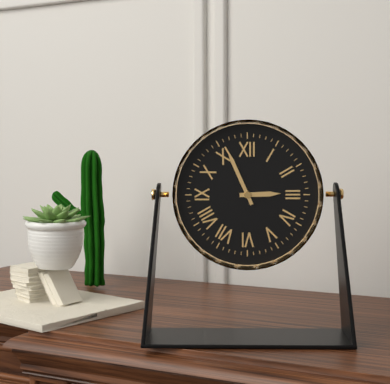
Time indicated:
2h56
